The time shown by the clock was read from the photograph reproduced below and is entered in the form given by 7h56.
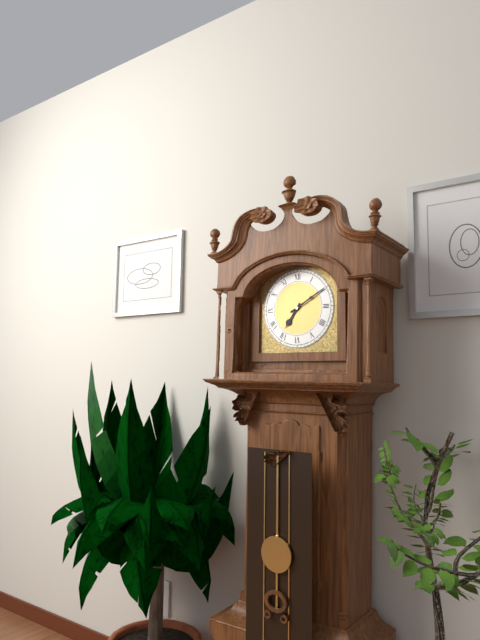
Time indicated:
7h10
